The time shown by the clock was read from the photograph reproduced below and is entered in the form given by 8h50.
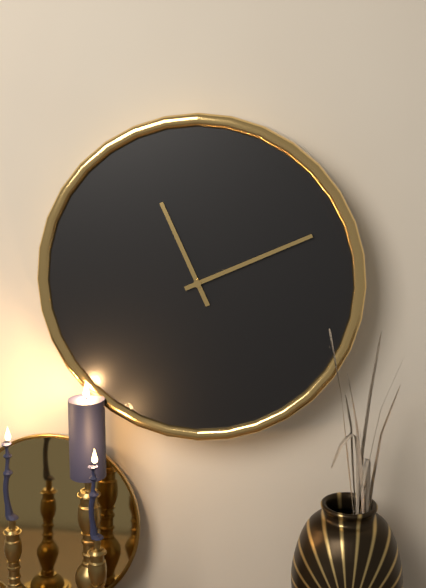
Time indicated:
11h11
